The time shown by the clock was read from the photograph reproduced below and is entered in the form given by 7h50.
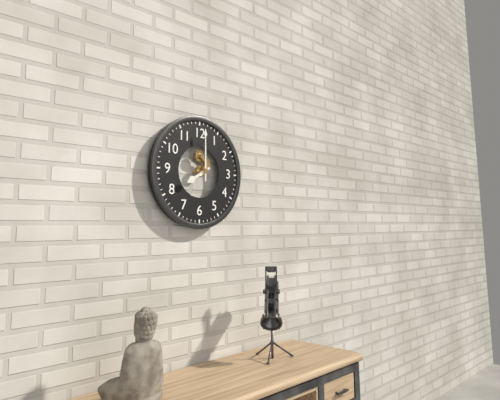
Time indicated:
8h00
